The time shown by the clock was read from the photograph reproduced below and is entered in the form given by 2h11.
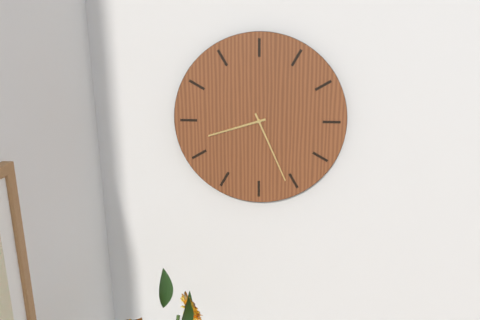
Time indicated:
8h26
